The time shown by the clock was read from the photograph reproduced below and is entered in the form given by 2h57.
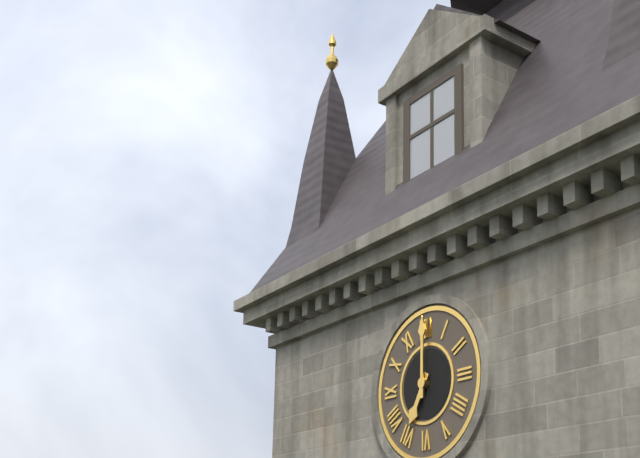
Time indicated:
7h00
